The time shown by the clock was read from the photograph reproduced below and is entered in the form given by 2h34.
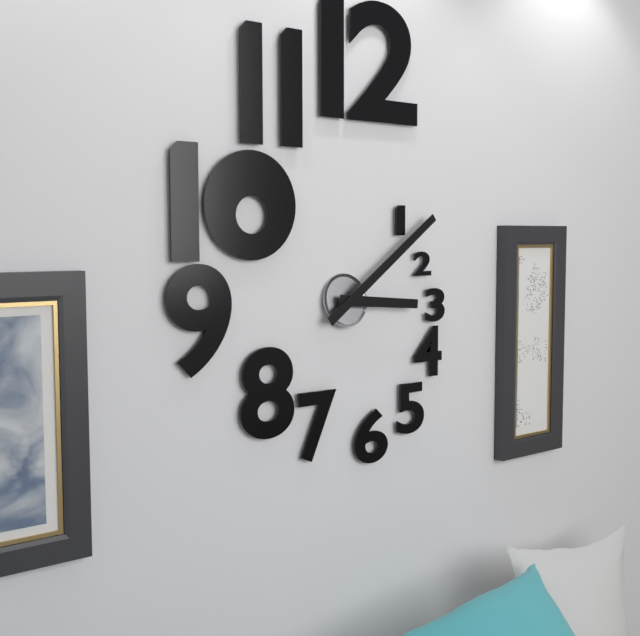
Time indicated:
3h09
